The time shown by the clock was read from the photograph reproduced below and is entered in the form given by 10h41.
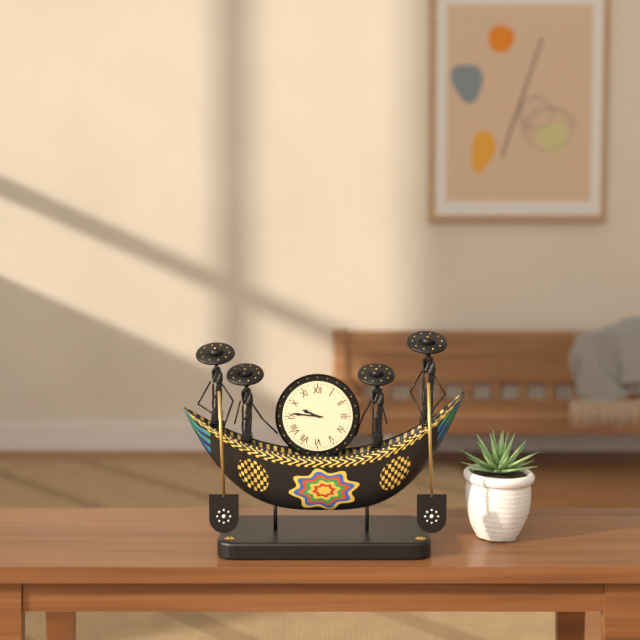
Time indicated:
9h46
